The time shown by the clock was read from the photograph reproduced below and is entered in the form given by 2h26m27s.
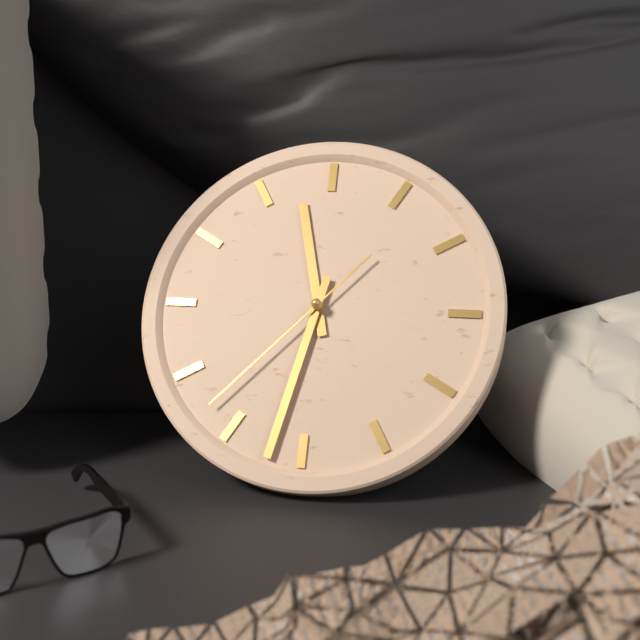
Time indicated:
11h32m37s
